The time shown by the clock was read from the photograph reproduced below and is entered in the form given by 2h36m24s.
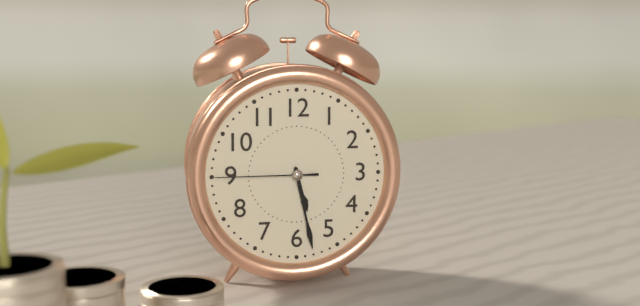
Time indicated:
5h28m45s
